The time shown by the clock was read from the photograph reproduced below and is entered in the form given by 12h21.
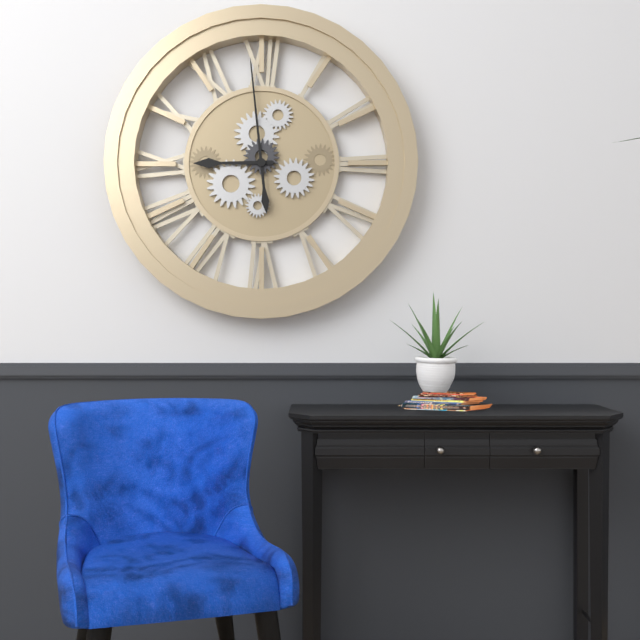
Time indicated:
8h59
